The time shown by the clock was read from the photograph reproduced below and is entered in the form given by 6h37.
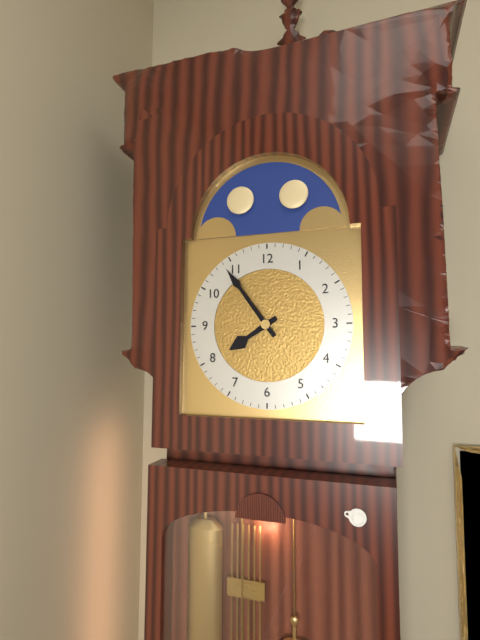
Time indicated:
7h54
